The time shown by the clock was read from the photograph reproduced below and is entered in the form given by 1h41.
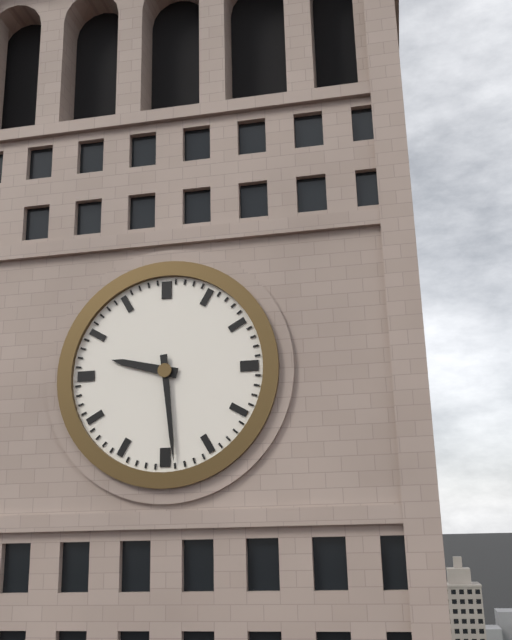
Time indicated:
9h29
